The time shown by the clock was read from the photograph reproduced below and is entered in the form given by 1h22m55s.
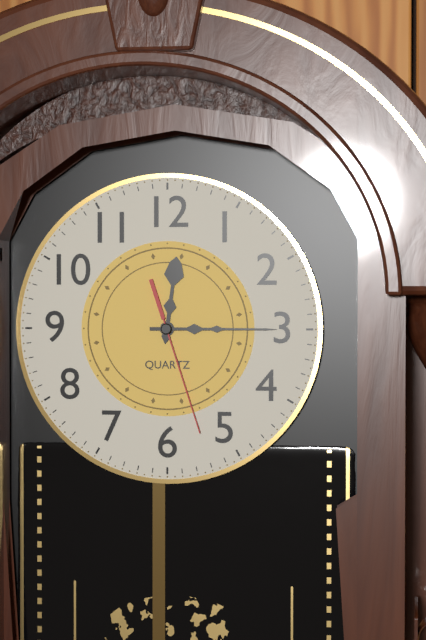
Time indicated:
12h15m27s
